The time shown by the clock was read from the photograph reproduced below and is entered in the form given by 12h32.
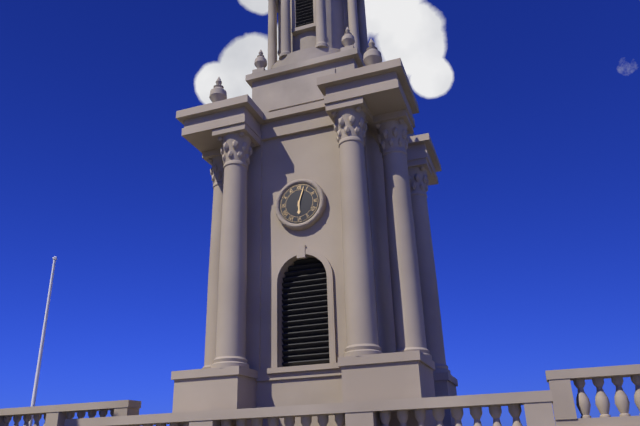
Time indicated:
6h03
